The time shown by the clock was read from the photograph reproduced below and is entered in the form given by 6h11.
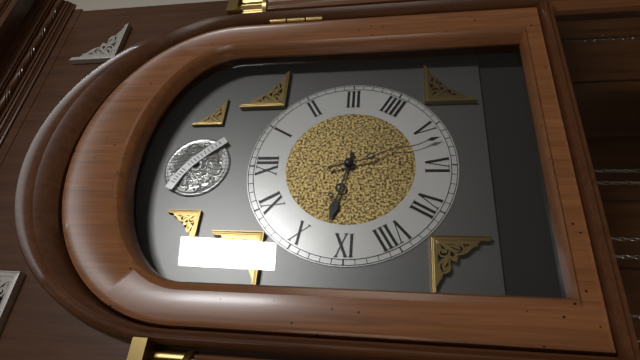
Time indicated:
9h27
